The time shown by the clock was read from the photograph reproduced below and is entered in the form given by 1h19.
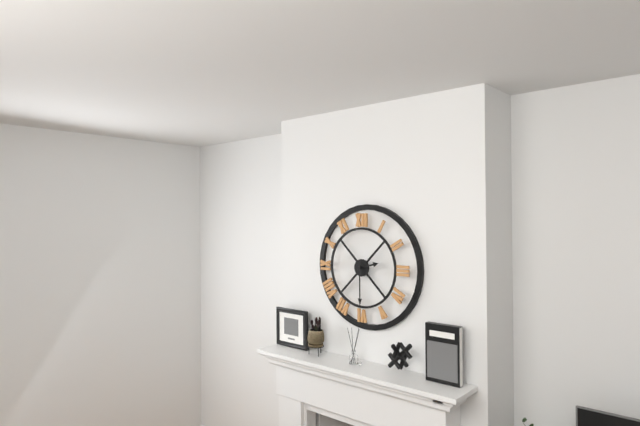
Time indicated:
2h30
